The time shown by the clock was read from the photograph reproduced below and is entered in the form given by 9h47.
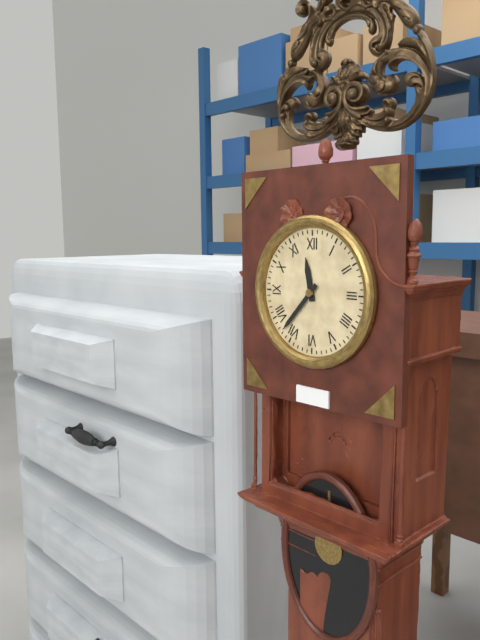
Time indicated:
11h37
